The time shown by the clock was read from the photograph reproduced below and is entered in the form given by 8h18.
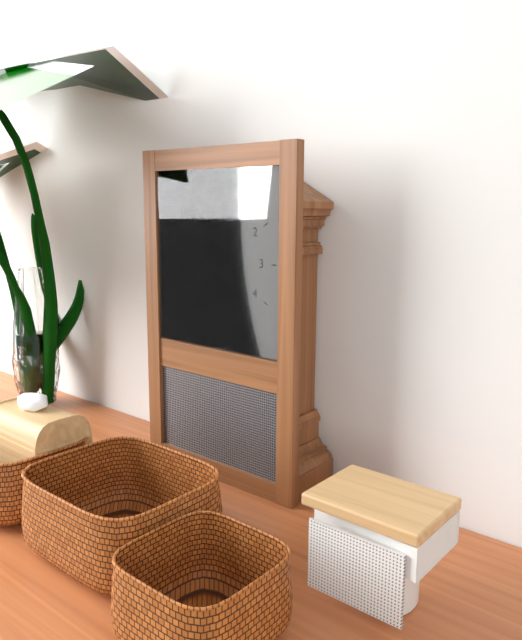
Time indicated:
10h04
